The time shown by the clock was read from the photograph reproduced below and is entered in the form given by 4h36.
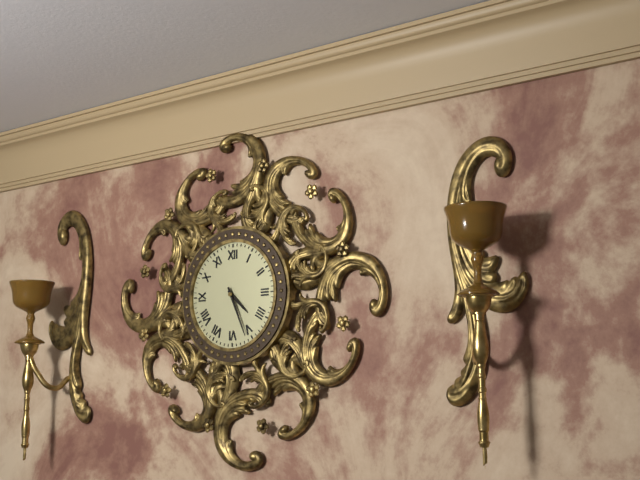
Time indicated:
4h26
